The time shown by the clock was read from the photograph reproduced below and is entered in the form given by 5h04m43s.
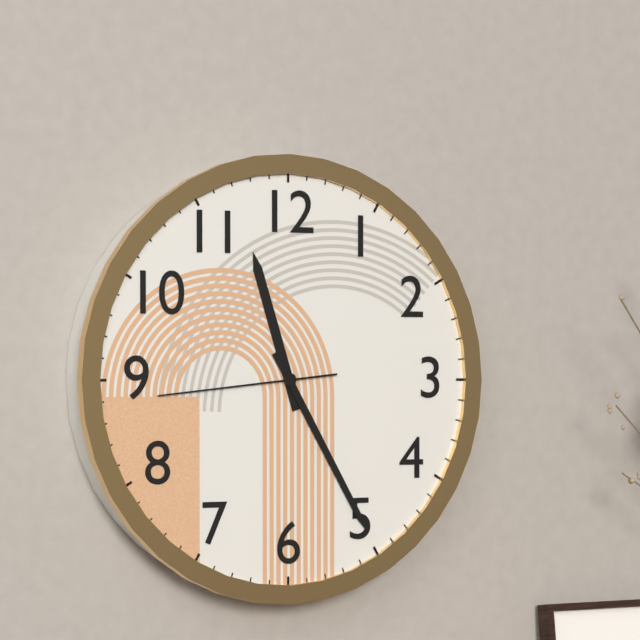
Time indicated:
11h25m44s
